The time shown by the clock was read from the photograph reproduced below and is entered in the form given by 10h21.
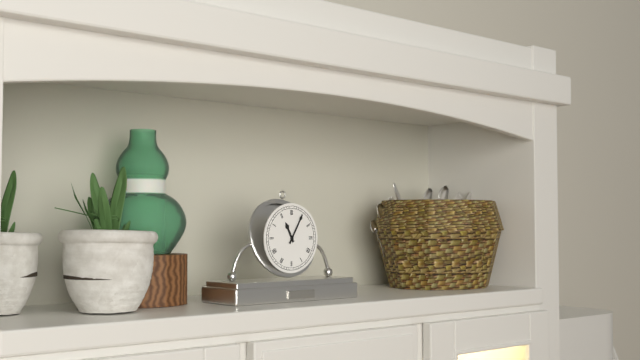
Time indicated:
11h05
